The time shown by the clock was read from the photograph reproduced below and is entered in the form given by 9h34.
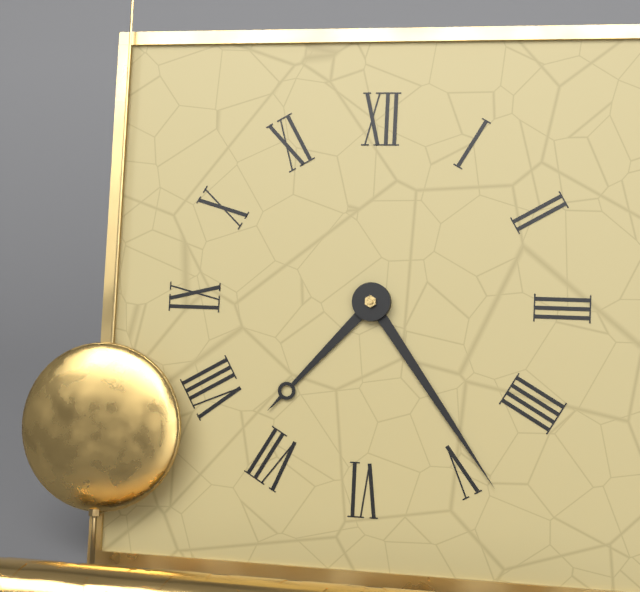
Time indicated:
7h24
